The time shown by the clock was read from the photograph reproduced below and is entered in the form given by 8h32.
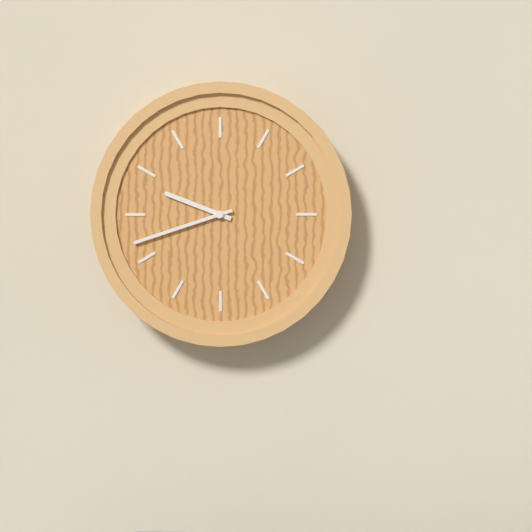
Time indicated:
9h42
